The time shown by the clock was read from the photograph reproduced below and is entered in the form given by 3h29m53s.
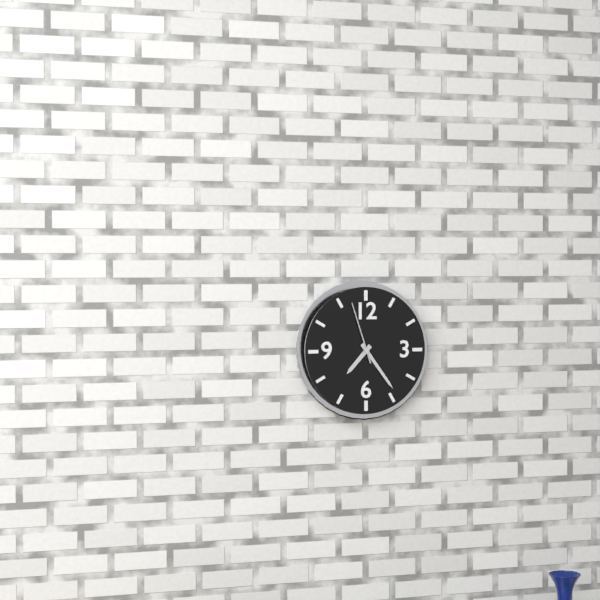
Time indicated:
7h24m57s
